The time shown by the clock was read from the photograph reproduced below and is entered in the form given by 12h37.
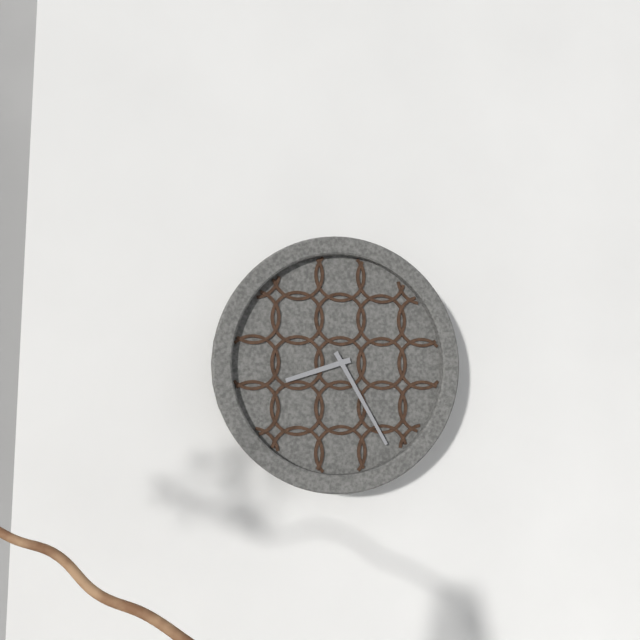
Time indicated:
8h25
